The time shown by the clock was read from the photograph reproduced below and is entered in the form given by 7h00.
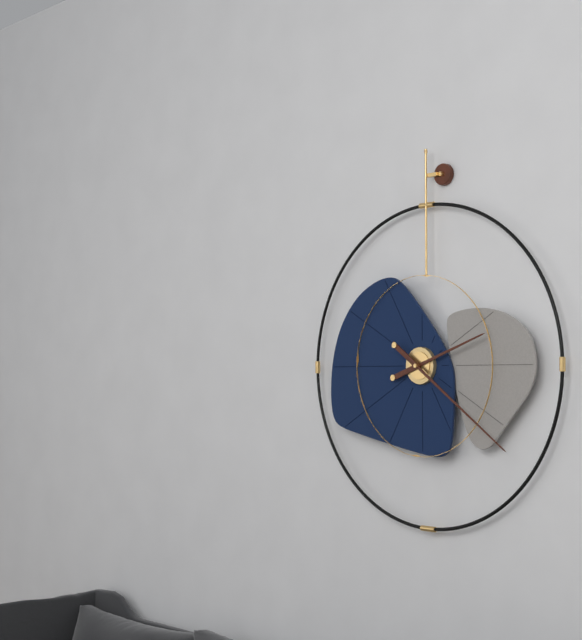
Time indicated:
2h21
